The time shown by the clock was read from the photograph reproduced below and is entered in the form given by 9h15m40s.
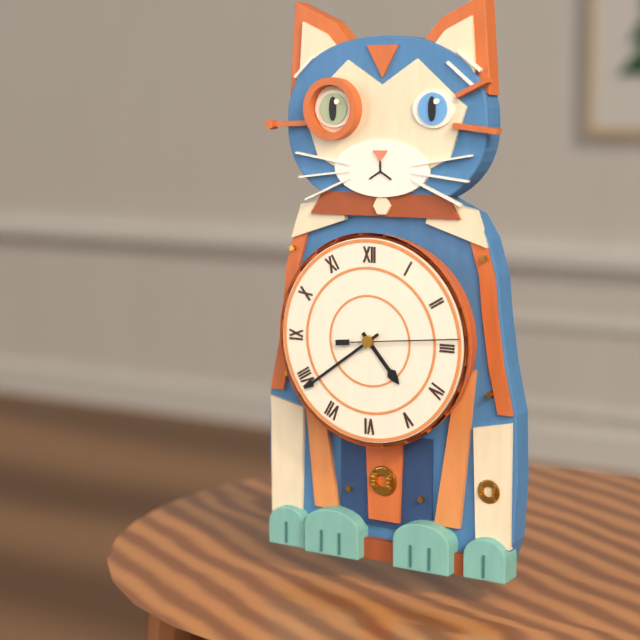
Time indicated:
4h39m14s
